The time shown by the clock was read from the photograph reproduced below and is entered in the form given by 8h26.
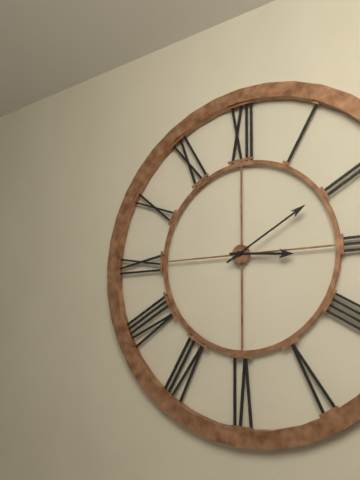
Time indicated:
3h10
